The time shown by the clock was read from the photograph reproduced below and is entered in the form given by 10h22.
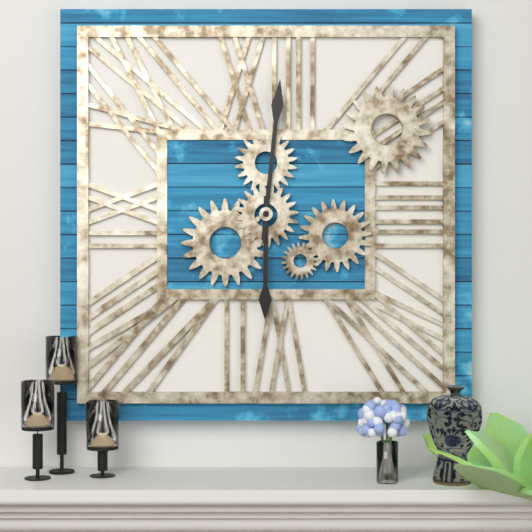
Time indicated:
6h01
